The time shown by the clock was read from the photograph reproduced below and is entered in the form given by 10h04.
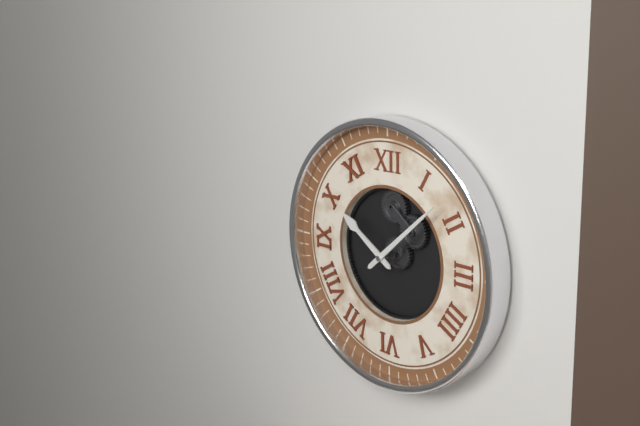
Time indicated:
10h08
